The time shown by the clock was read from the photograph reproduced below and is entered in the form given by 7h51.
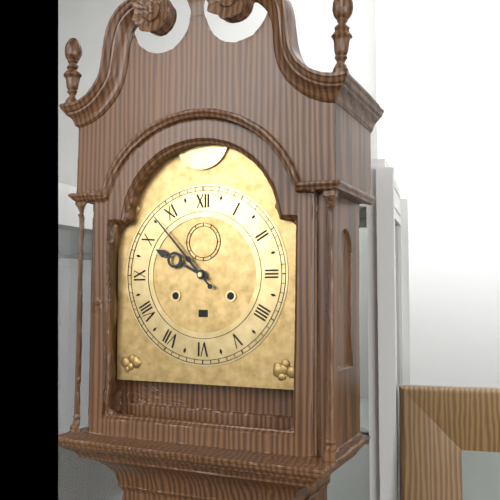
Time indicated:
9h53
